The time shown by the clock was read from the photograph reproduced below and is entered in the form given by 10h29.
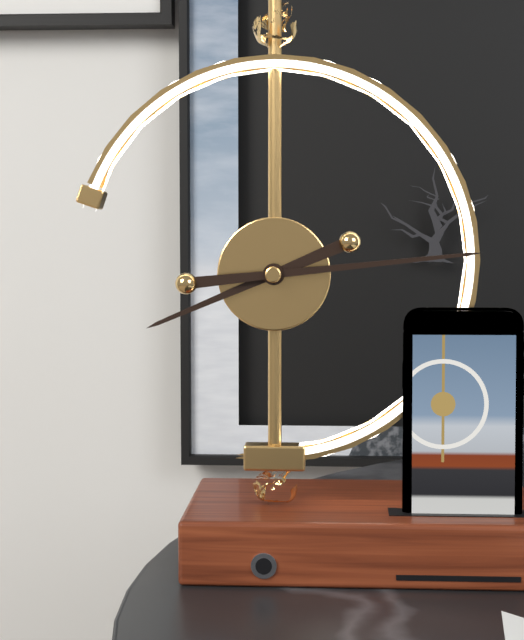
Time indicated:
8h14
